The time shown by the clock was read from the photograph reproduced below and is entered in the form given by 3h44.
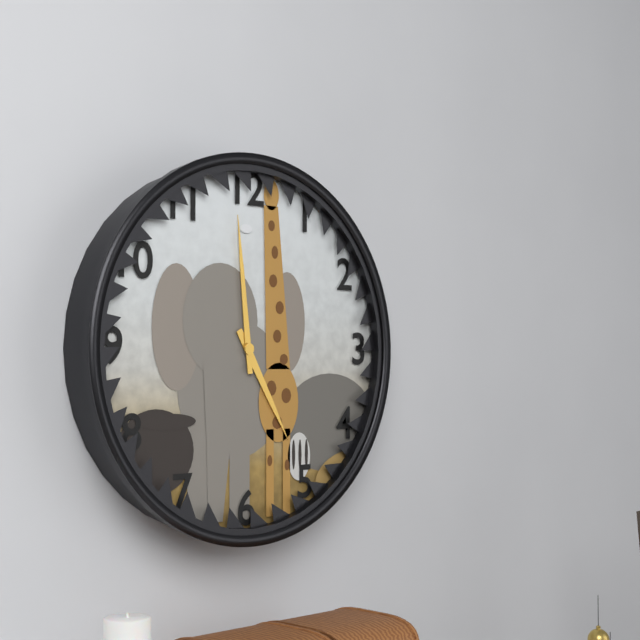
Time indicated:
4h59
